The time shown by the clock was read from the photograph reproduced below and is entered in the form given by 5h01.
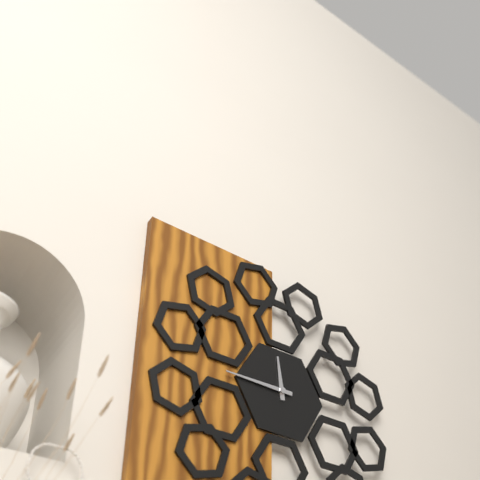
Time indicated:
11h45
